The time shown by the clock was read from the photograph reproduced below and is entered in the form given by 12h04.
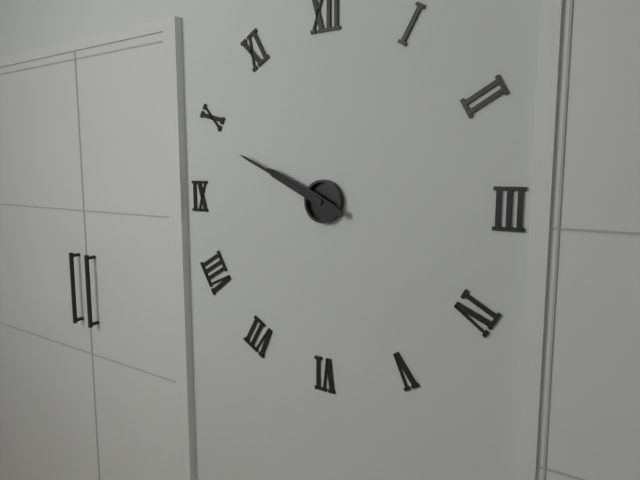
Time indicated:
9h49
